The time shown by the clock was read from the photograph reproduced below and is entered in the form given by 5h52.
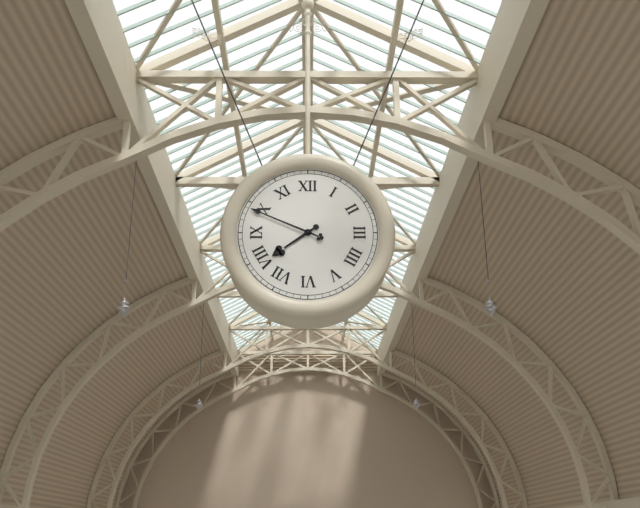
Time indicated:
7h49
